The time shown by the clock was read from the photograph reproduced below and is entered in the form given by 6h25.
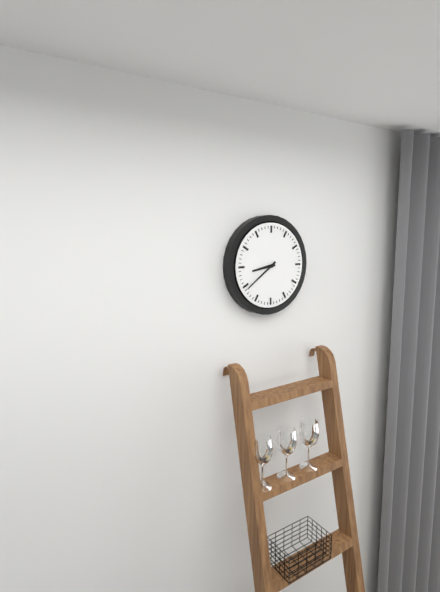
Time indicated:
8h39
